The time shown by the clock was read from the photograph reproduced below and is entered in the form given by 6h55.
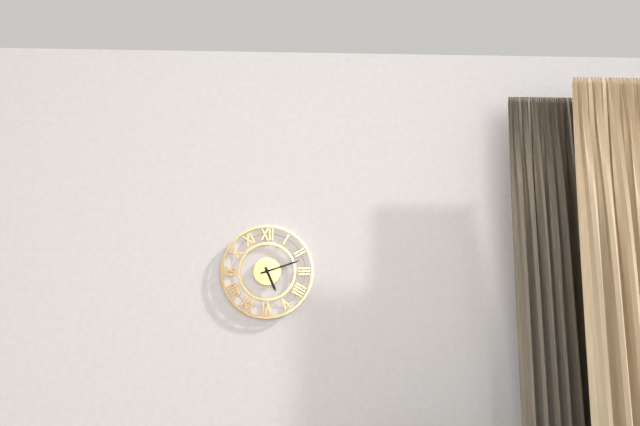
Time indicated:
5h12
